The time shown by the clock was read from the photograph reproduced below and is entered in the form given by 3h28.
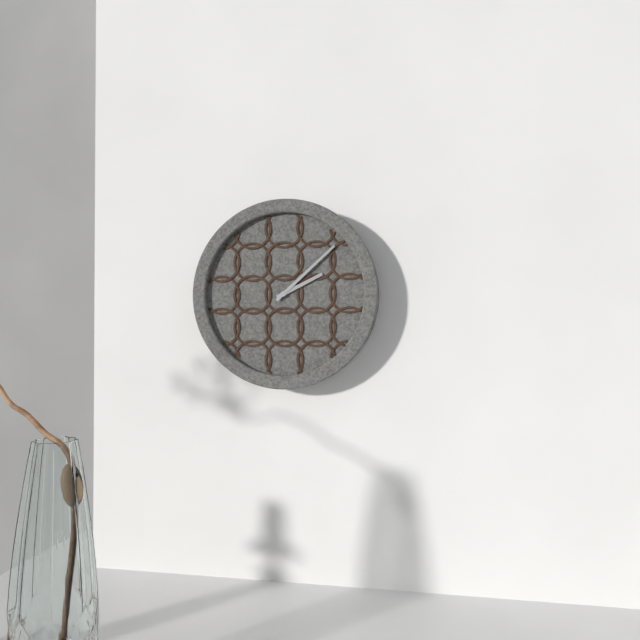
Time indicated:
2h08
